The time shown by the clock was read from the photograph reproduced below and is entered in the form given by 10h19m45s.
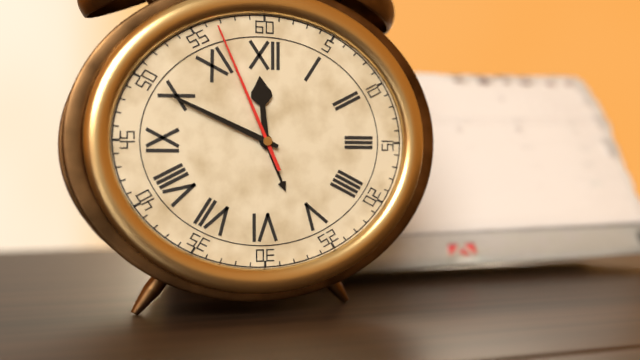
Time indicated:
11h49m56s
